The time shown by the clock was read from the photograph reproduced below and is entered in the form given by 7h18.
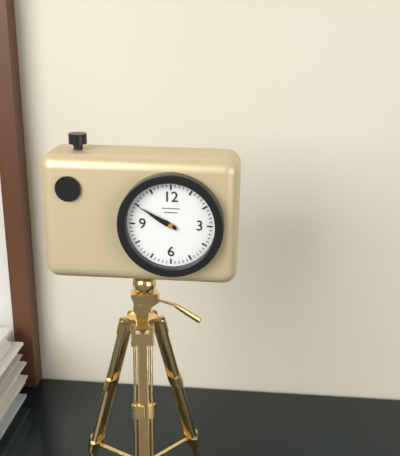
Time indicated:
9h50
